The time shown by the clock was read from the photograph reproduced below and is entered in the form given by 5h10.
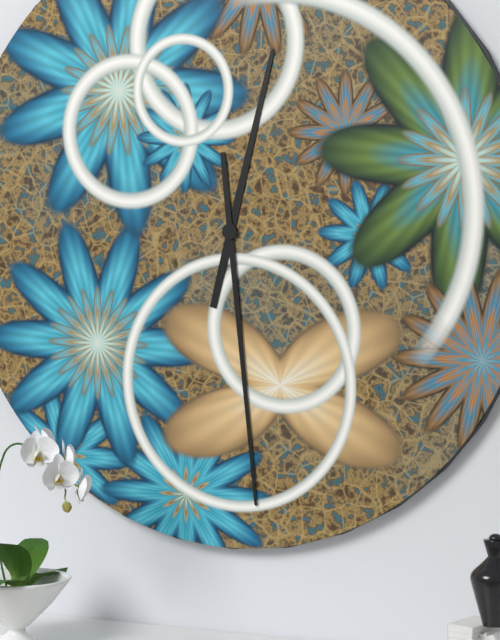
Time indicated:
12h29
